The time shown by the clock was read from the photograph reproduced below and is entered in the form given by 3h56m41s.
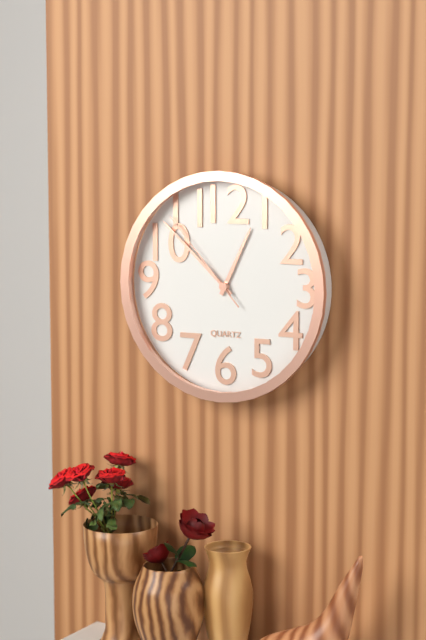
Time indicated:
12h52m53s
